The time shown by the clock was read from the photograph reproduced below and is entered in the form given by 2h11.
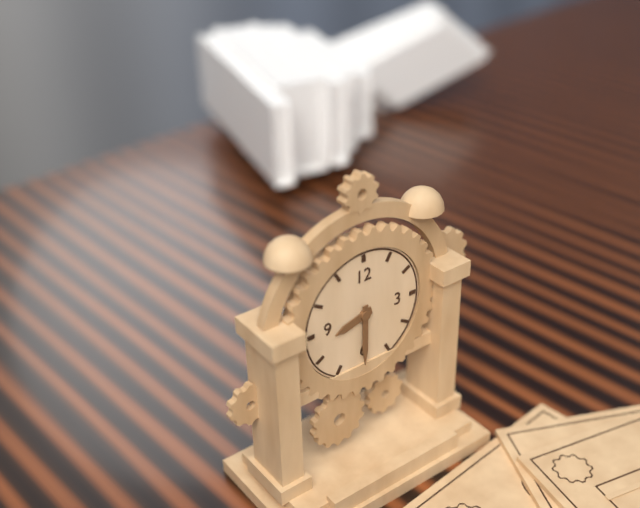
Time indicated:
8h30
